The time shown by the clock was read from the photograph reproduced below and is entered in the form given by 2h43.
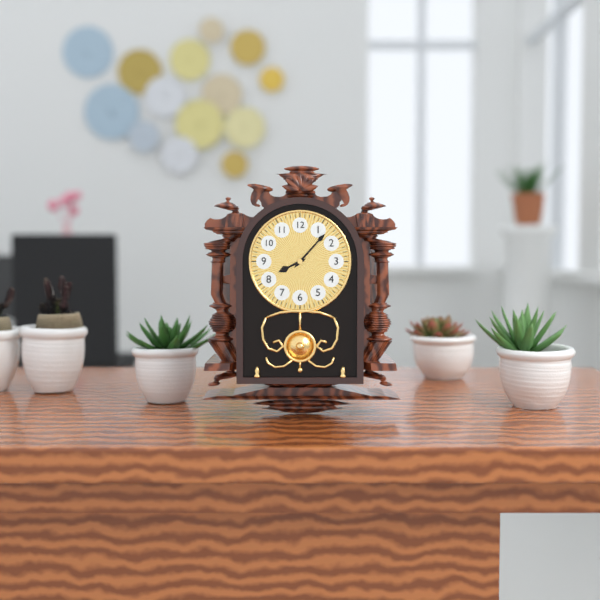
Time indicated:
8h07
